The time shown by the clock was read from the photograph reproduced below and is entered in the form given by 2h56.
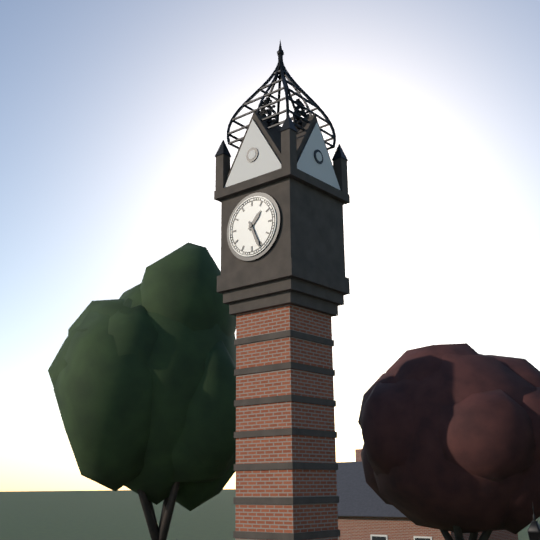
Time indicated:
1h26
